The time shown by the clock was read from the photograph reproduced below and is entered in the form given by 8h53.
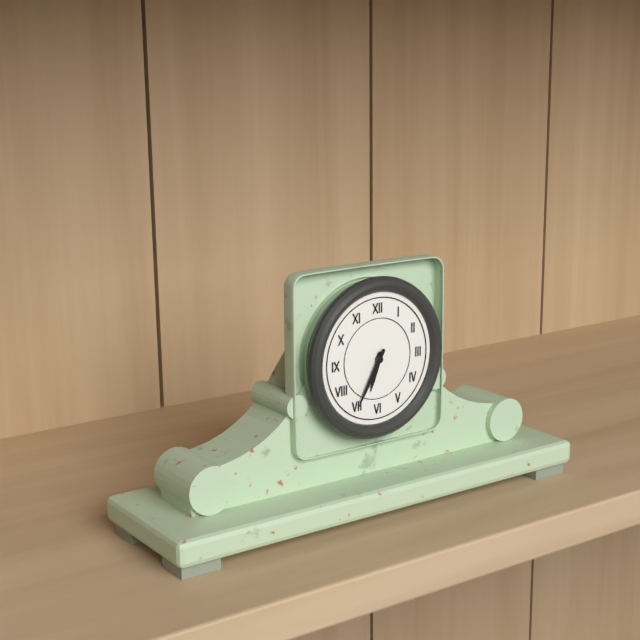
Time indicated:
6h35
